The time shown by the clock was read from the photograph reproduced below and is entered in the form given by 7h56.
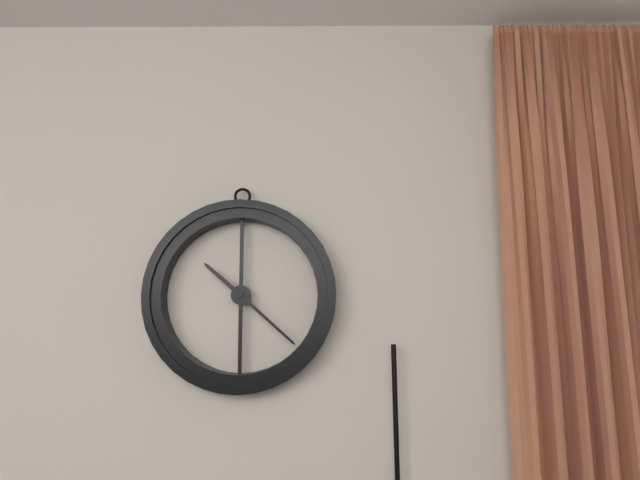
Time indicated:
10h22
